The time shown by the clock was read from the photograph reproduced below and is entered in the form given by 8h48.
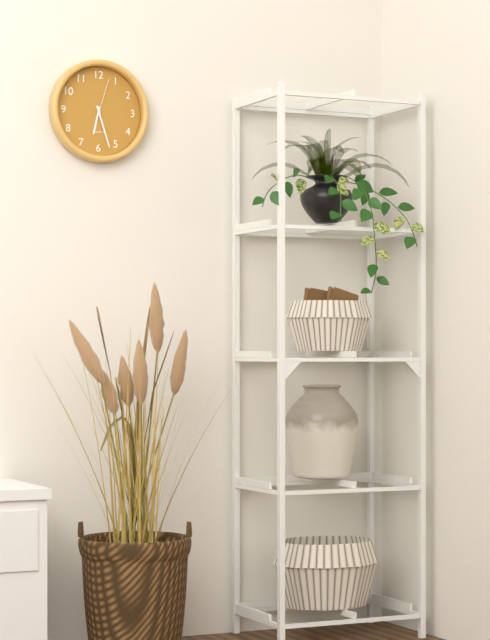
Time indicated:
6h27
